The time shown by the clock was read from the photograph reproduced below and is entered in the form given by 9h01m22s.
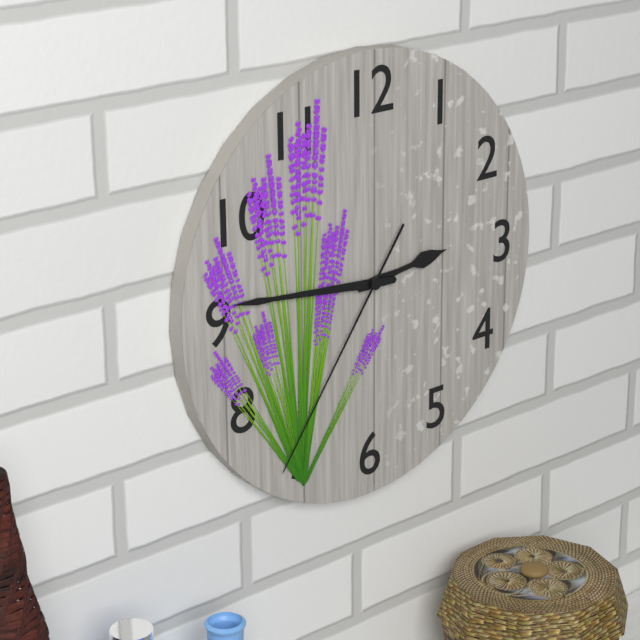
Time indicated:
2h46m36s
